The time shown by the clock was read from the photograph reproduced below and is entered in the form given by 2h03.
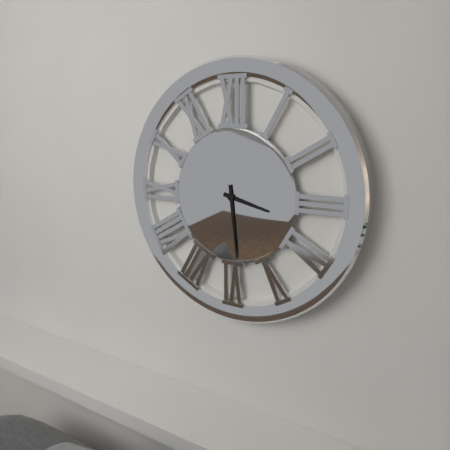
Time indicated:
3h29
